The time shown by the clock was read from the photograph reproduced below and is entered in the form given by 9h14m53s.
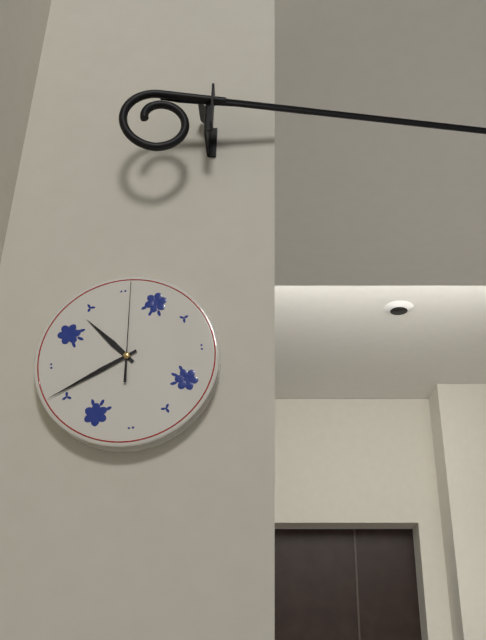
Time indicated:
10h41m01s
